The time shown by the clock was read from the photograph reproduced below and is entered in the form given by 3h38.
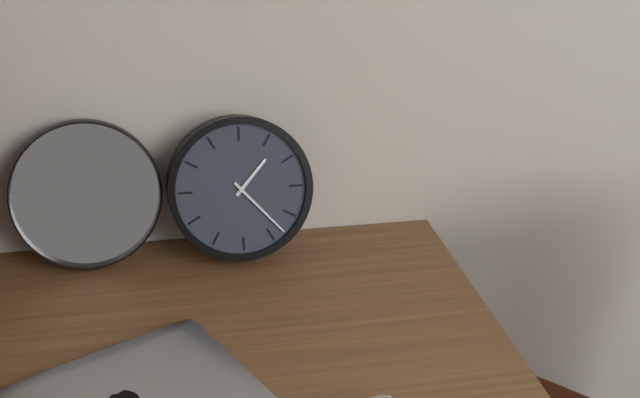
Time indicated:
1h23
